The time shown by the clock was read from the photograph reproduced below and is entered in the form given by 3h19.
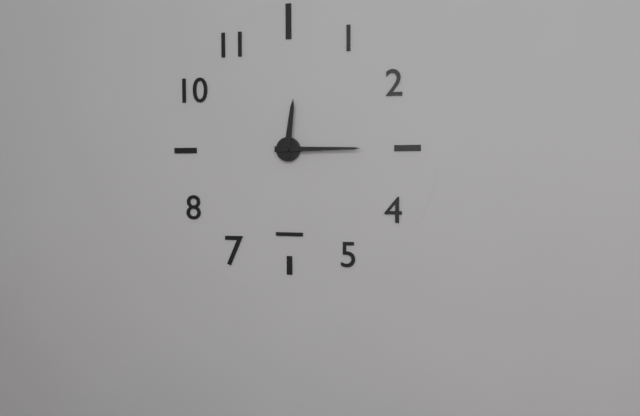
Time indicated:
12h15
